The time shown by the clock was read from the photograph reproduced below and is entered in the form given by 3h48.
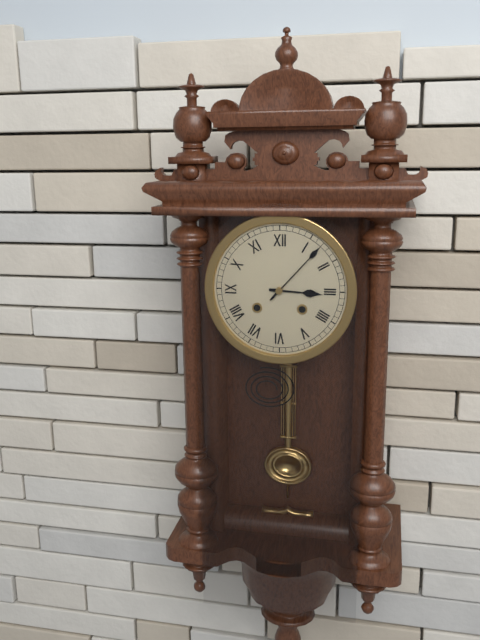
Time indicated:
3h07
